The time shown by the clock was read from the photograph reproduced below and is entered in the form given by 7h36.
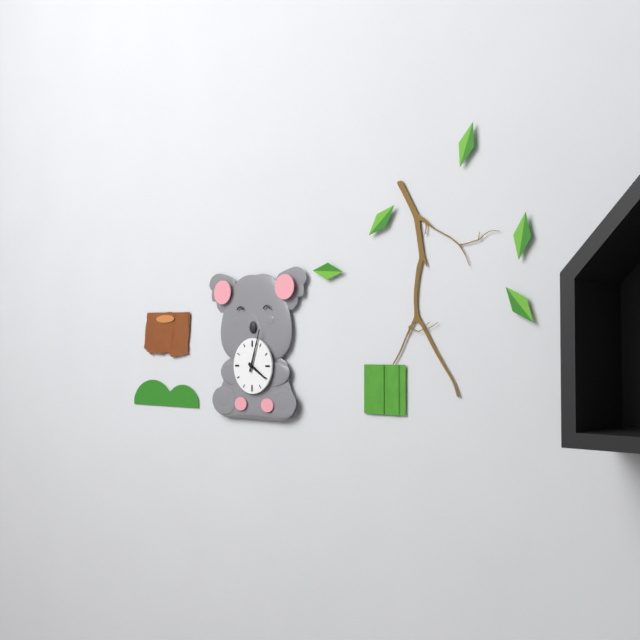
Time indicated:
4h03
